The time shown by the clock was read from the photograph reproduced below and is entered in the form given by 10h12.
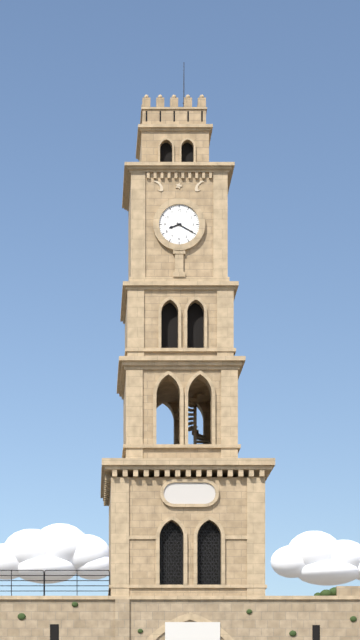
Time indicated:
8h20
